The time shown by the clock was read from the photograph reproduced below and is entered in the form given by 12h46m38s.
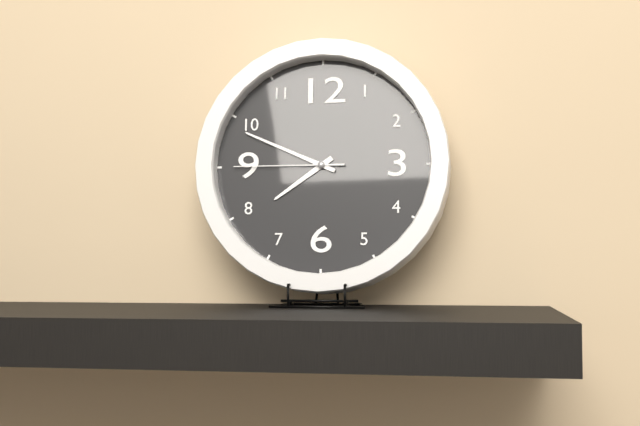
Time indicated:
7h49m45s
